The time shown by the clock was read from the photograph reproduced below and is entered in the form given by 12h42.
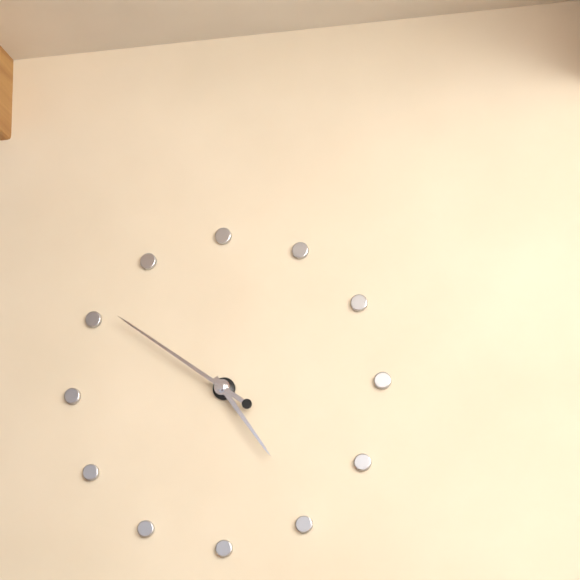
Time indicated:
4h51
